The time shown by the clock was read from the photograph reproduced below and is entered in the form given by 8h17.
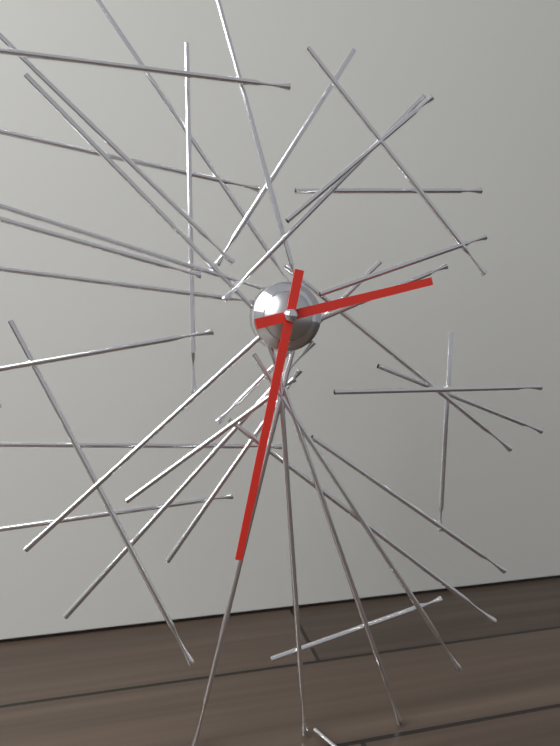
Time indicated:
2h32
